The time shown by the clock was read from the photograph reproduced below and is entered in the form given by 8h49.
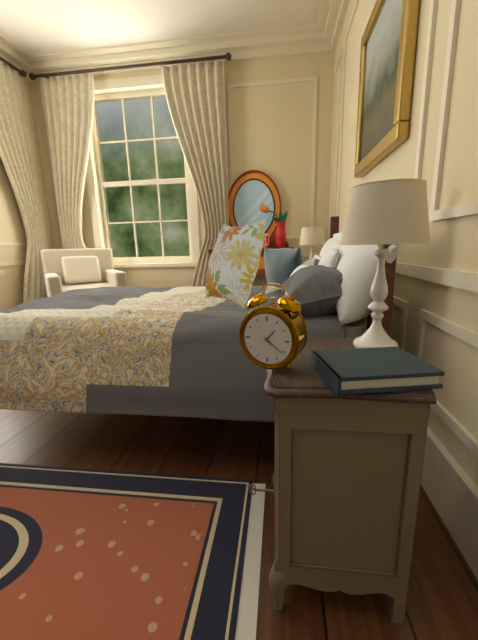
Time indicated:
1h21
